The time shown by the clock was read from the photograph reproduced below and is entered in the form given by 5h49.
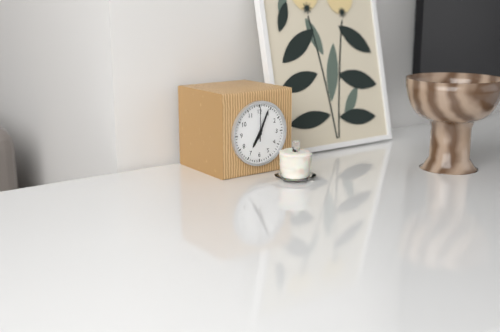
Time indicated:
7h04
